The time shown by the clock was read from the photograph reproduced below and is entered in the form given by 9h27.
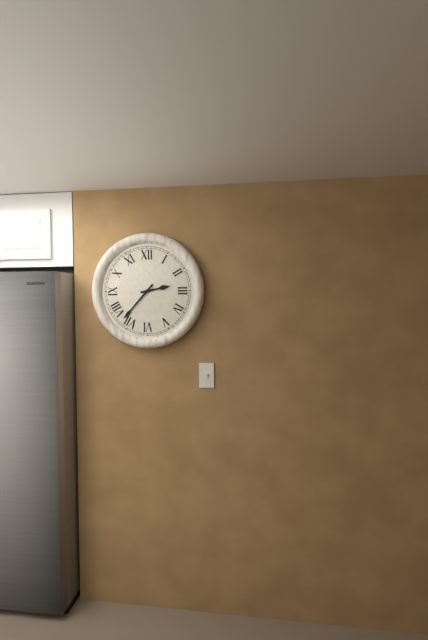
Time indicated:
2h37
